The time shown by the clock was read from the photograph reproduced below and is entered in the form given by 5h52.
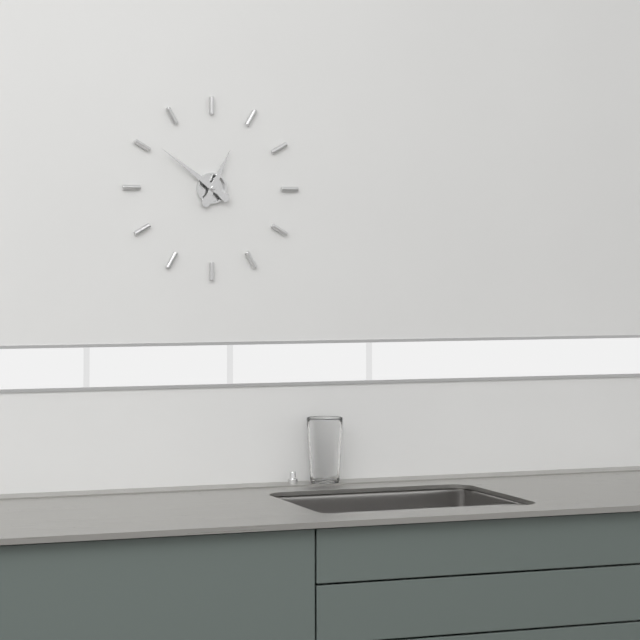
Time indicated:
12h51
